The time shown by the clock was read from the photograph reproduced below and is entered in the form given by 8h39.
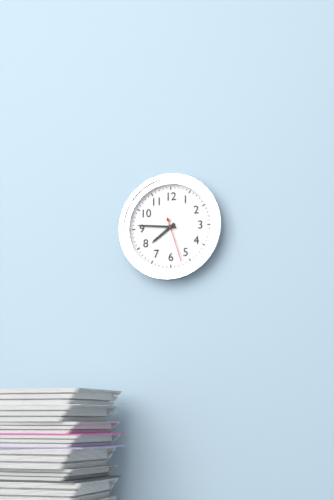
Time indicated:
7h46
